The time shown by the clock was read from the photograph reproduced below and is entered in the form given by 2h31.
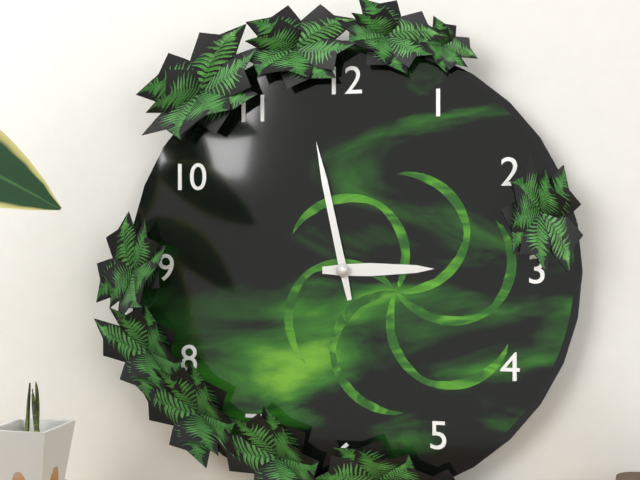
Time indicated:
2h58
